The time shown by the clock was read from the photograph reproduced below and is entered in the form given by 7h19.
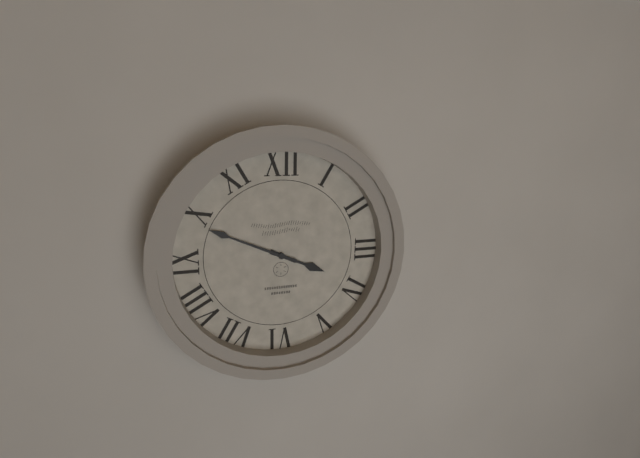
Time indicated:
3h49
